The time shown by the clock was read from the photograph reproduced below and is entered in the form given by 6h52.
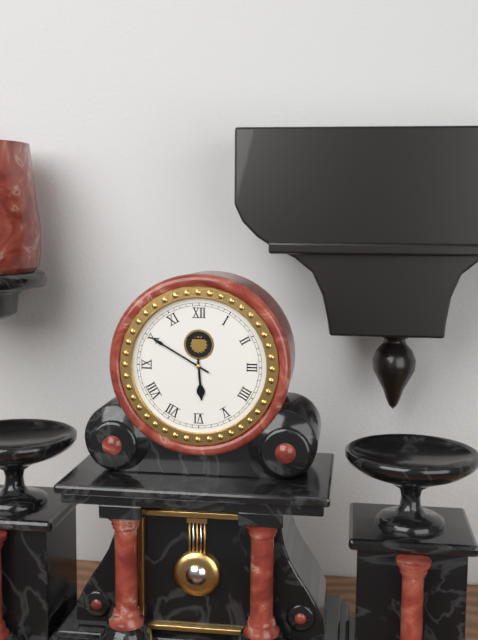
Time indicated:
5h50
